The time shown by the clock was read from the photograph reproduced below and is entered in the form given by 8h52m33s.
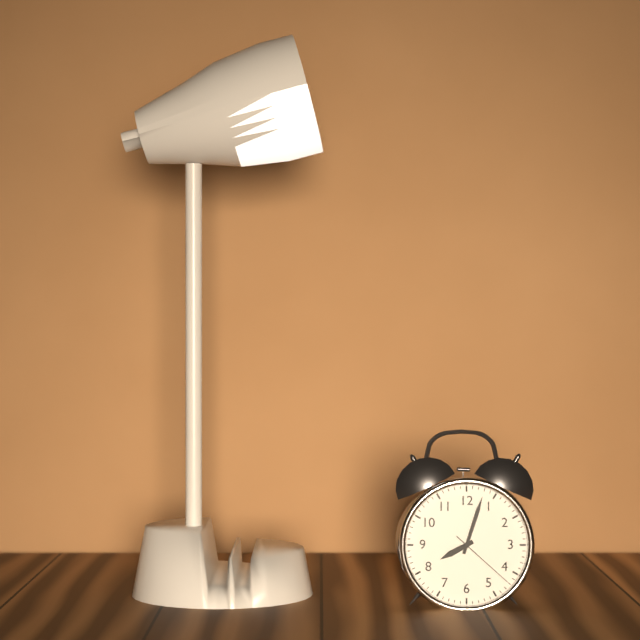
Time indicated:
8h03m22s
